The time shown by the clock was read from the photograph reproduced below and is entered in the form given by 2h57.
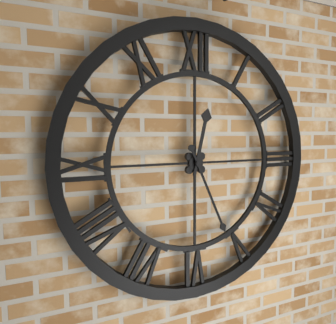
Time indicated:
12h26
